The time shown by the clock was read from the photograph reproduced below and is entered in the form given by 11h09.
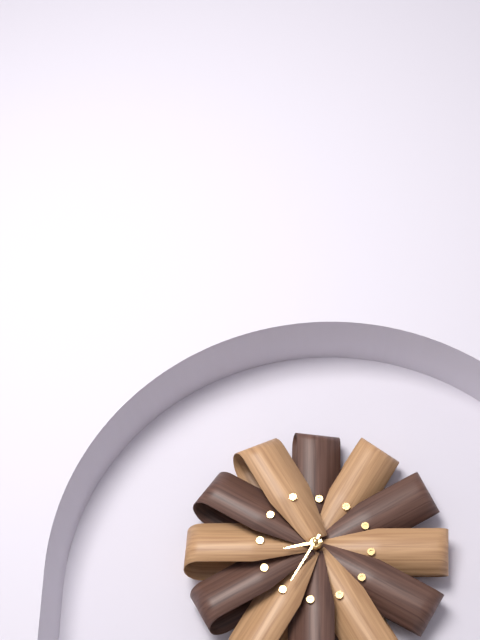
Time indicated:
8h35
